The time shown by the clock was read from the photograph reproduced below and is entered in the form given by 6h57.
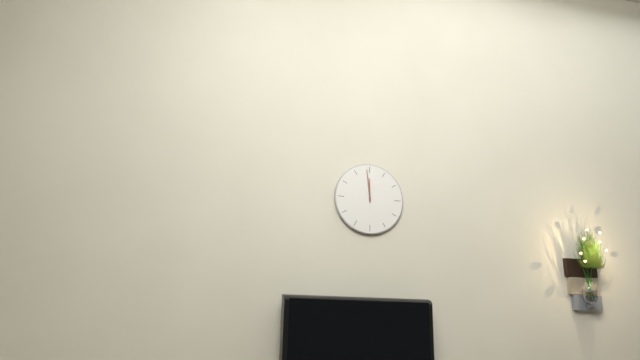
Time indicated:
11h59
